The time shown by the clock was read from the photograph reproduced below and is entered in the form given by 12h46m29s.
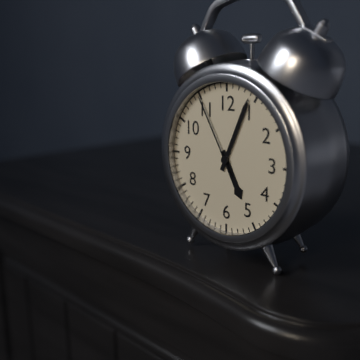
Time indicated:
5h04m55s
